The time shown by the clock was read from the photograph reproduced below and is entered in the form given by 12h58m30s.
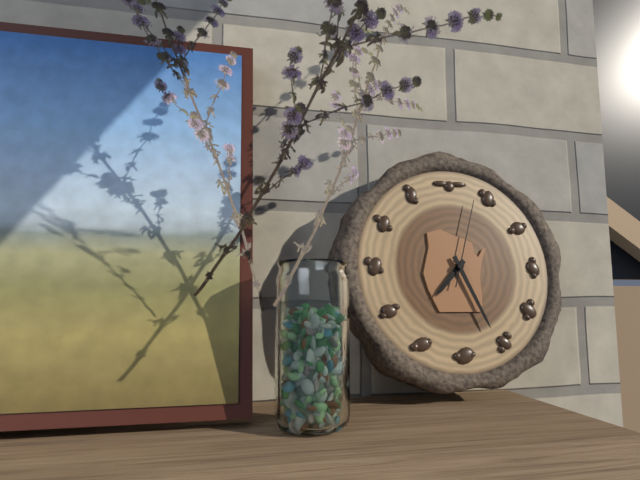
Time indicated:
7h26m03s
